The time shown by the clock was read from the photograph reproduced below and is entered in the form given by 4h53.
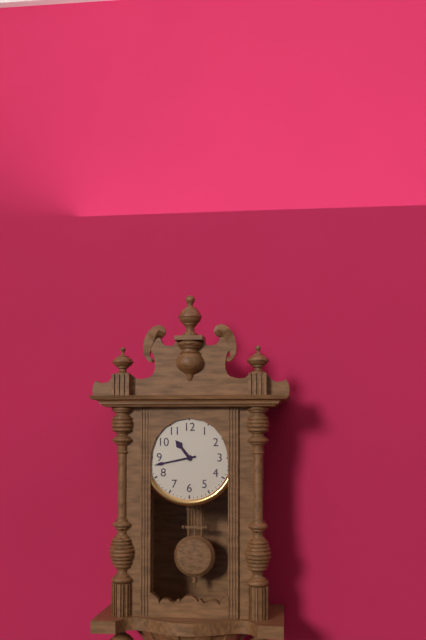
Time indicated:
10h43
